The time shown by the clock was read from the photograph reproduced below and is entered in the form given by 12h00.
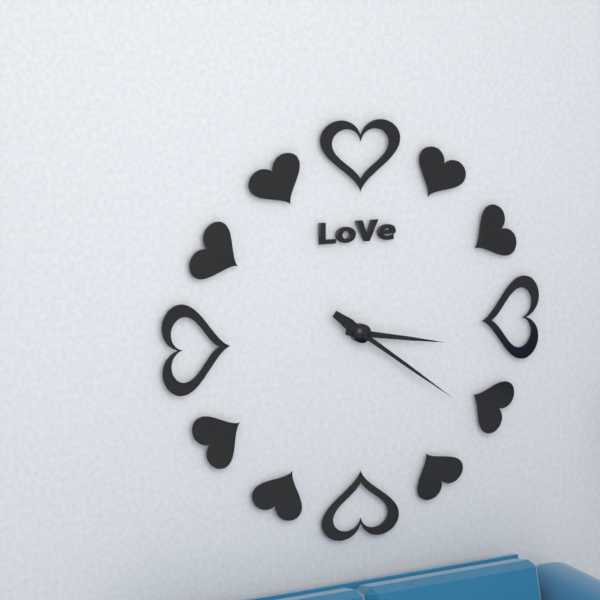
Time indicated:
3h21
